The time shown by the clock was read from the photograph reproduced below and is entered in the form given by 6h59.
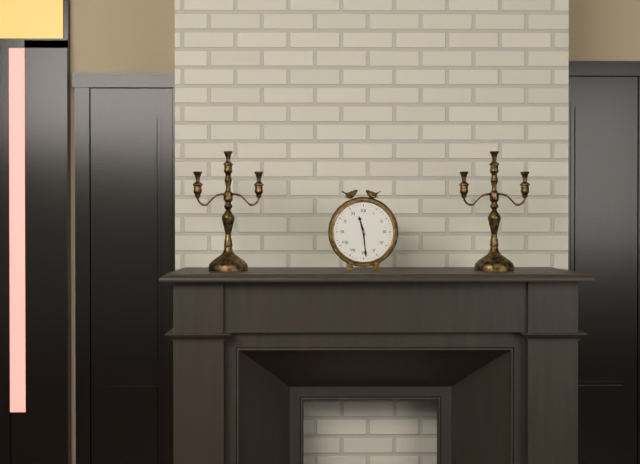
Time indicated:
11h29
